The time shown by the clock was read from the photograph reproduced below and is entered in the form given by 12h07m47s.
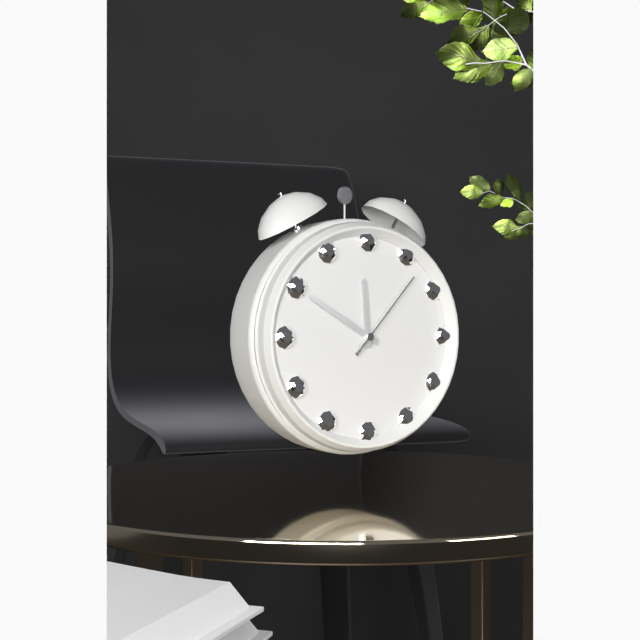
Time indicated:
11h50m07s
